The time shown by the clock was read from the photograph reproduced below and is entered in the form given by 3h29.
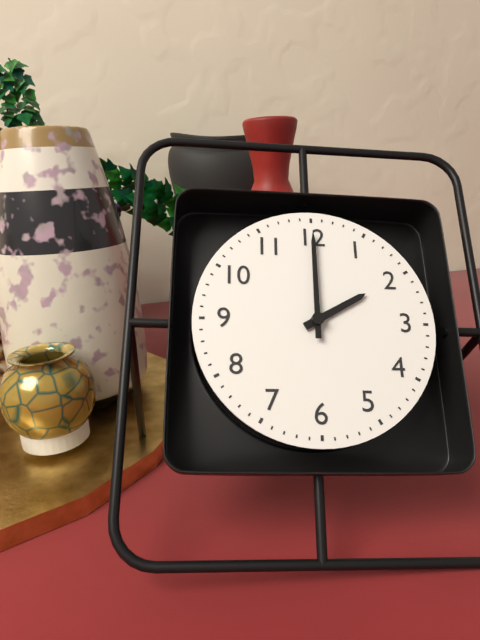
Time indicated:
2h00
